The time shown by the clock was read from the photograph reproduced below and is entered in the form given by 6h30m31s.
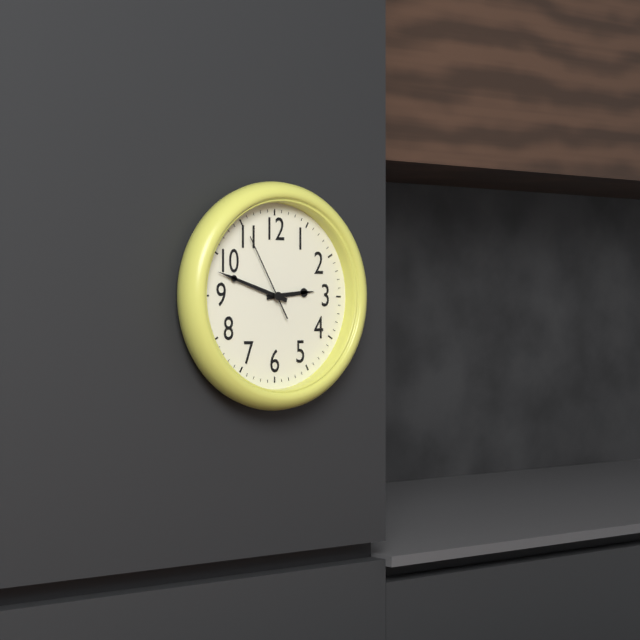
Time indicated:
2h48m55s
